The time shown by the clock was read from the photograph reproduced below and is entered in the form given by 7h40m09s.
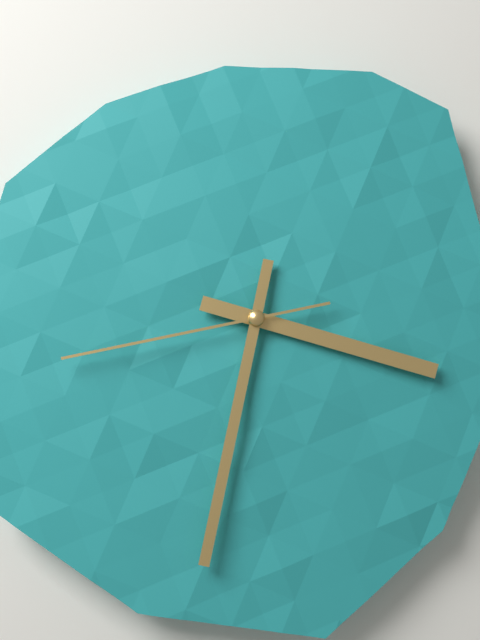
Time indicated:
3h32m43s
